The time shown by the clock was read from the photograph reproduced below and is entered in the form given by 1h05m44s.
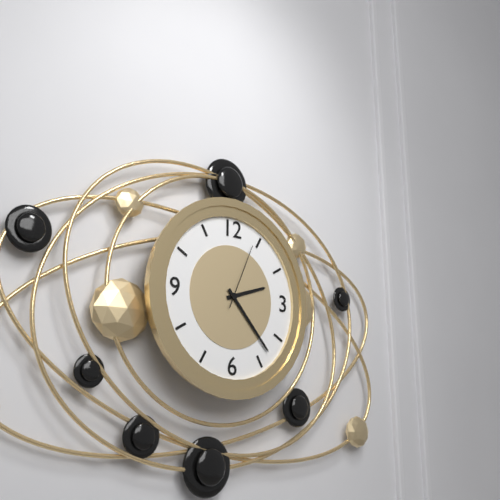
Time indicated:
2h23m04s
